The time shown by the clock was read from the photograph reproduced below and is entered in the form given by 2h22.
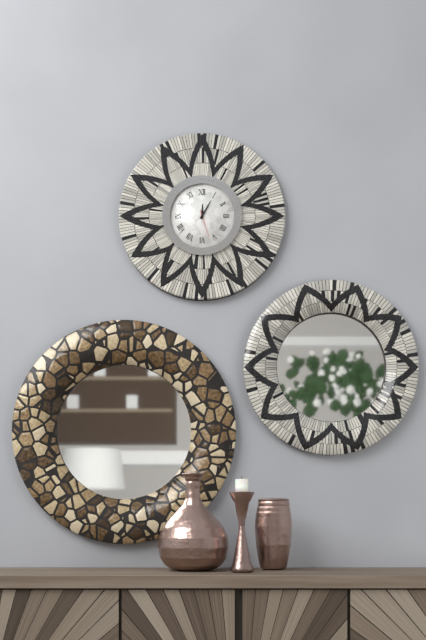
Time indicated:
12h05
